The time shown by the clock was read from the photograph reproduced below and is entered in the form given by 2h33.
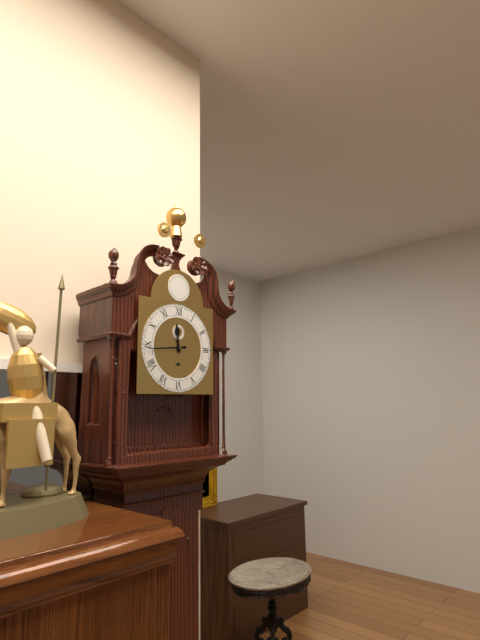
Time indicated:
11h44
